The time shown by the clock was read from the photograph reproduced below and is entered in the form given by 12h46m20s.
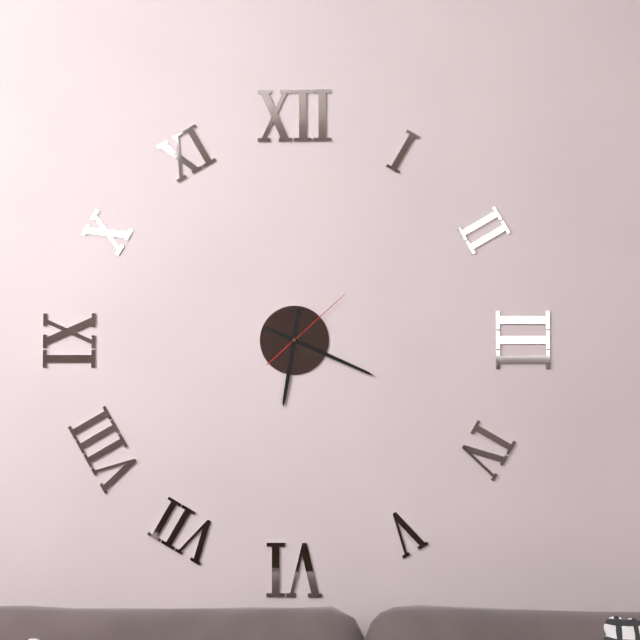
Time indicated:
6h19m08s
